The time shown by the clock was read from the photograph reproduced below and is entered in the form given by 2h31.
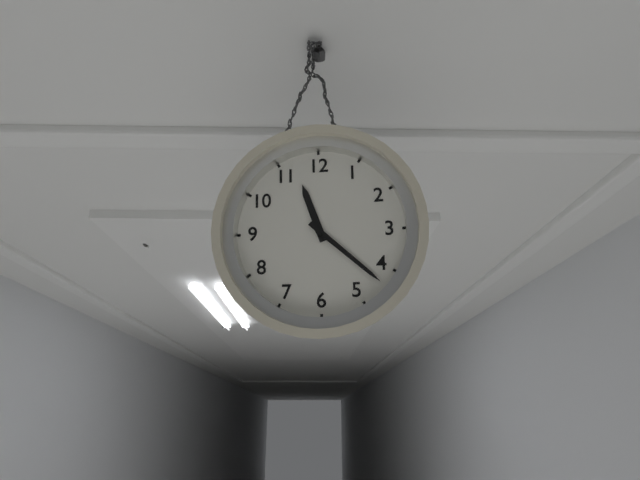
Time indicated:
11h22
